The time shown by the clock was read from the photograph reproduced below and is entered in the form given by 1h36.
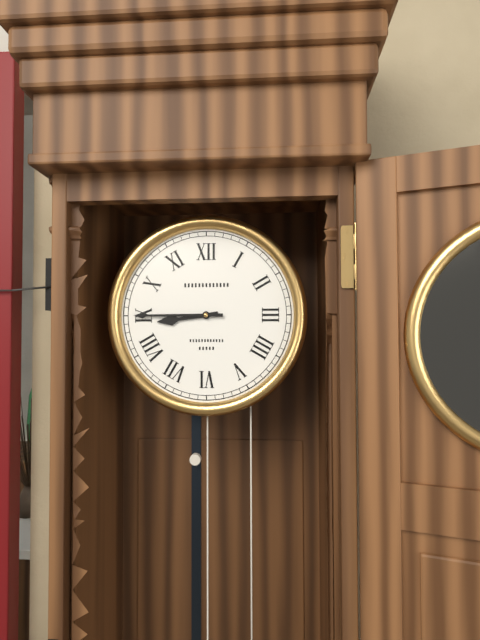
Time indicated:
8h45
